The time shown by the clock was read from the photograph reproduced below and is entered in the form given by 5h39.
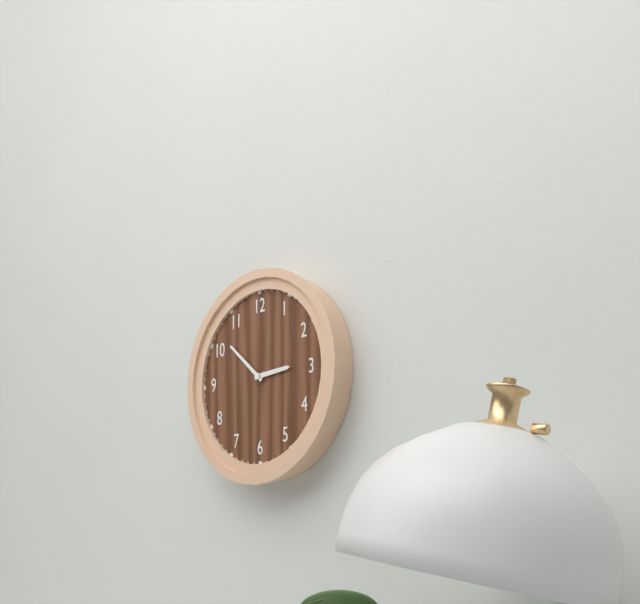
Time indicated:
2h52
